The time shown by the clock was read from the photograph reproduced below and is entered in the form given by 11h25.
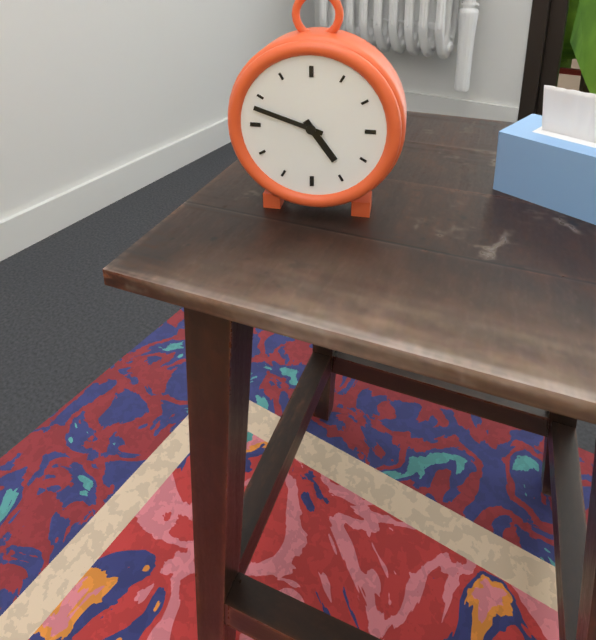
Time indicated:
4h48
